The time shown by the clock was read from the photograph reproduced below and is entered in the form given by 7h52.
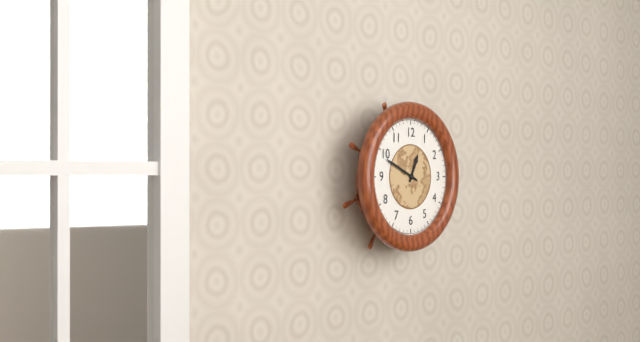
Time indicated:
12h49
